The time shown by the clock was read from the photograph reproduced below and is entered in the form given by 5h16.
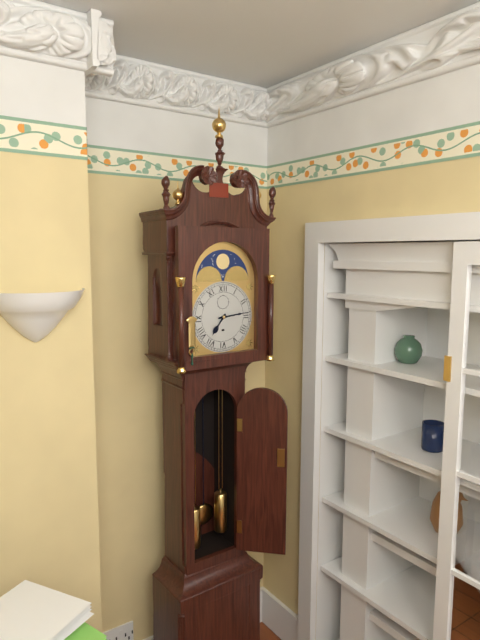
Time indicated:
7h14
